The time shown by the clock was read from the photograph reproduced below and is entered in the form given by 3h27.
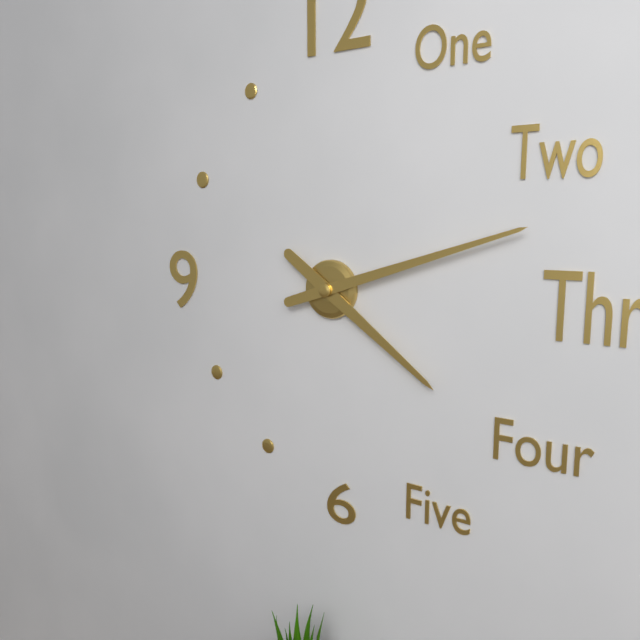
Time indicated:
4h12
